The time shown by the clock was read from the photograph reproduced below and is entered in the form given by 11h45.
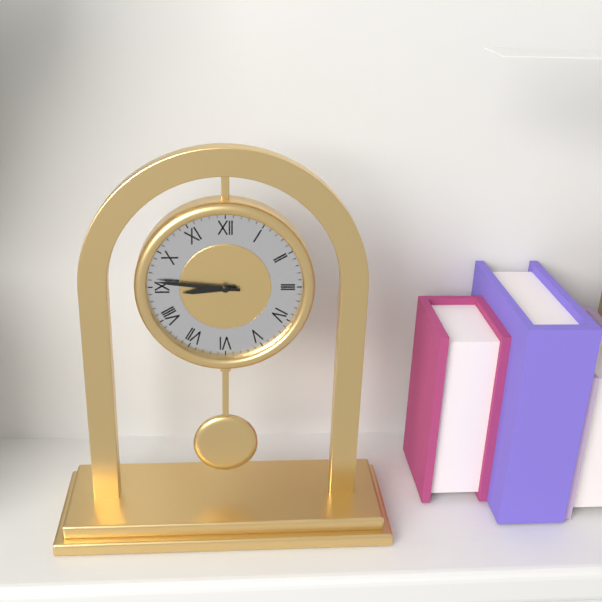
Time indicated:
8h46
